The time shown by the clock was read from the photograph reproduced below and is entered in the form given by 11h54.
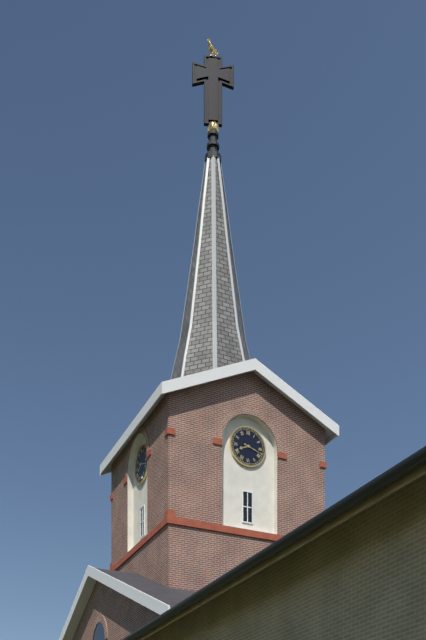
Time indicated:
8h18
